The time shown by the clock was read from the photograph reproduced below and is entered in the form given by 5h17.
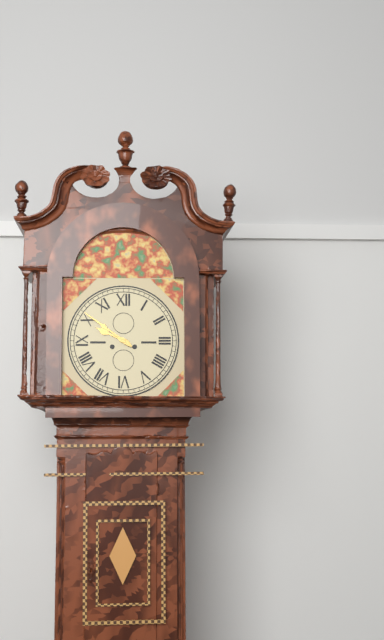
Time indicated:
9h51
